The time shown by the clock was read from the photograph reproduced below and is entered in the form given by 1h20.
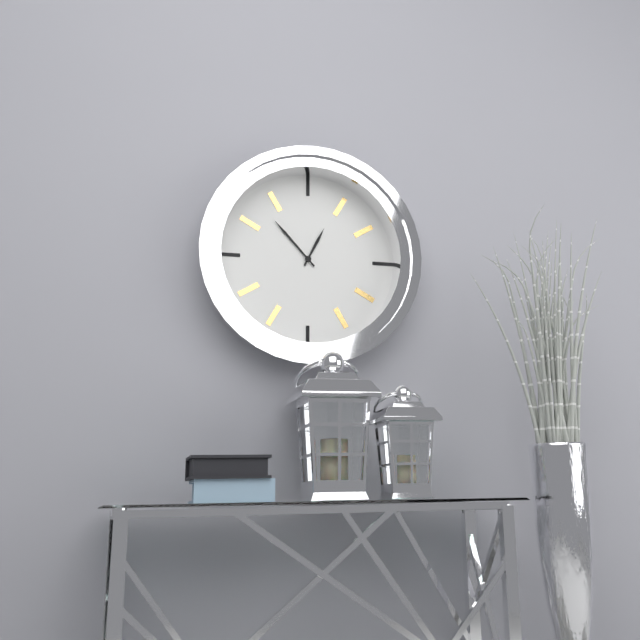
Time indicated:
12h53
